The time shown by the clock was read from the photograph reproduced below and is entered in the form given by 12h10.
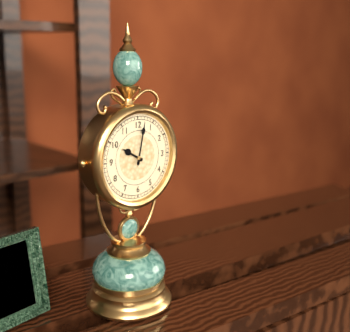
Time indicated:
10h02
